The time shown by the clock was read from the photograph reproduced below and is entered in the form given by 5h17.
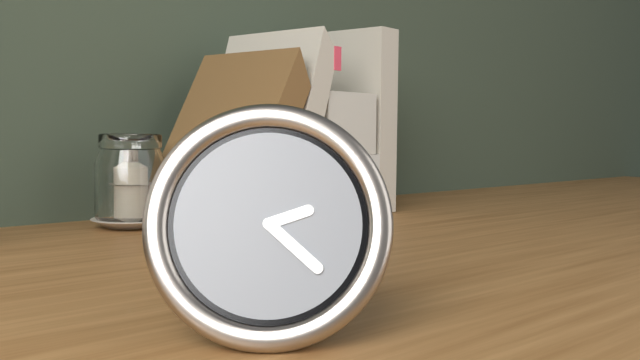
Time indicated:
2h22
